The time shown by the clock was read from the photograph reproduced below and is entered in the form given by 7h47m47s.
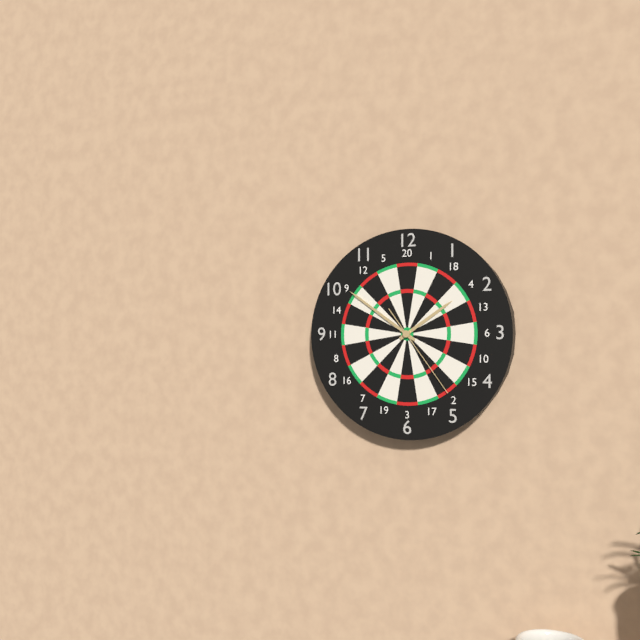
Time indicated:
1h51m24s
